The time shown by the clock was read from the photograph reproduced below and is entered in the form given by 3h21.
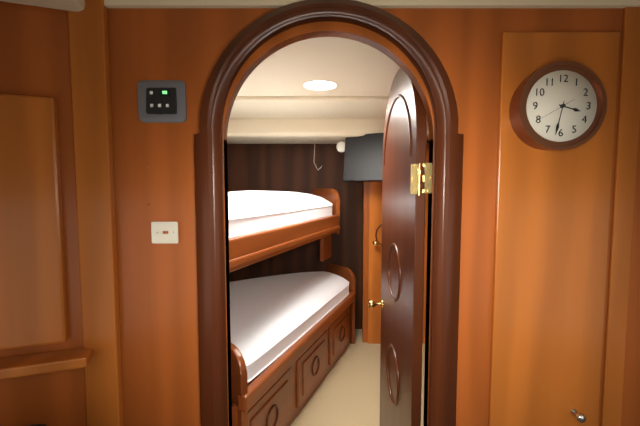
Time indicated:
3h32
